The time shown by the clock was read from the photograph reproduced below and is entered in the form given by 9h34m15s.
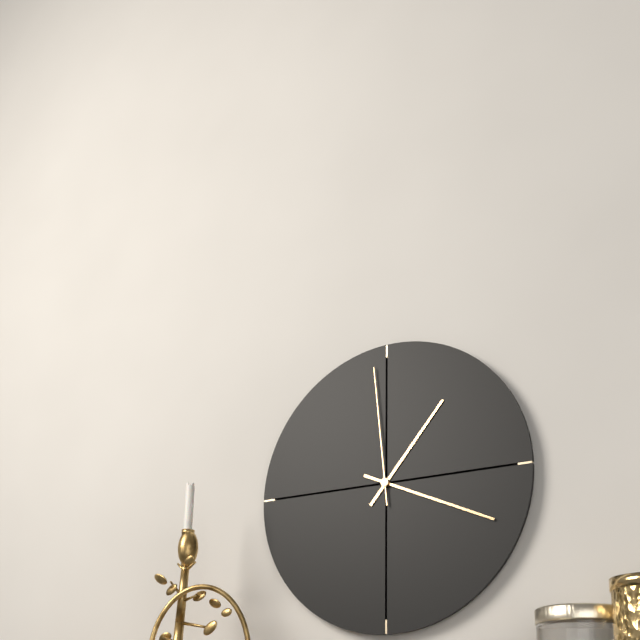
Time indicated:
1h19m59s
